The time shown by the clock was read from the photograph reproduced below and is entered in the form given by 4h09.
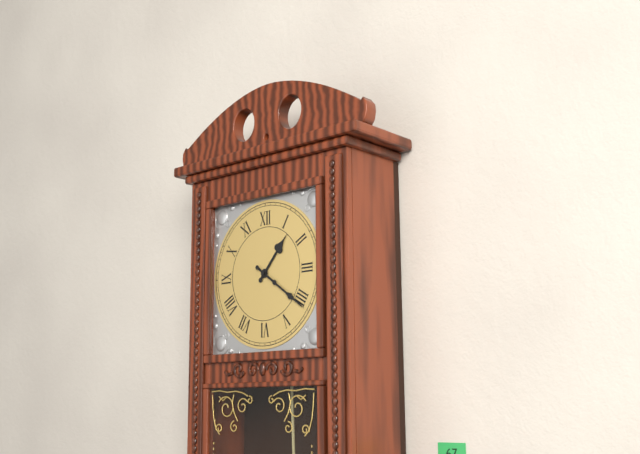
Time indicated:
1h21
